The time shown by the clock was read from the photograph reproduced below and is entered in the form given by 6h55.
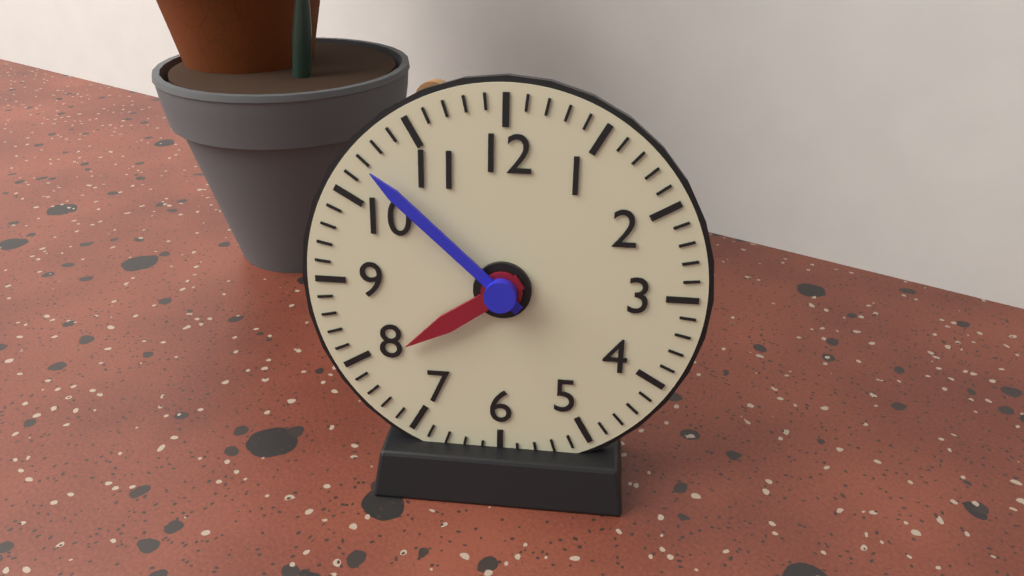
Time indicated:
7h52
